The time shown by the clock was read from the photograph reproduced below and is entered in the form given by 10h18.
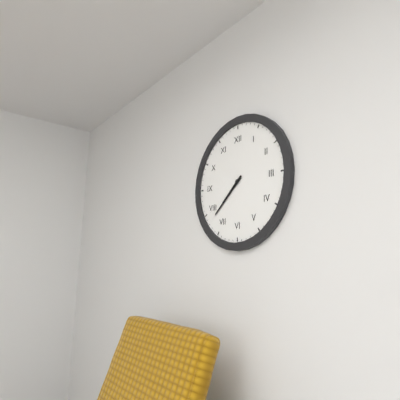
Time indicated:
7h38
